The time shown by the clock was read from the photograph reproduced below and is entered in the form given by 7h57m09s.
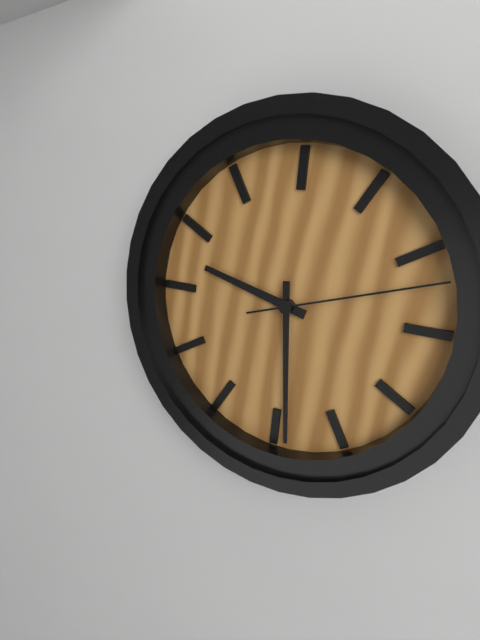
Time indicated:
9h29m12s
